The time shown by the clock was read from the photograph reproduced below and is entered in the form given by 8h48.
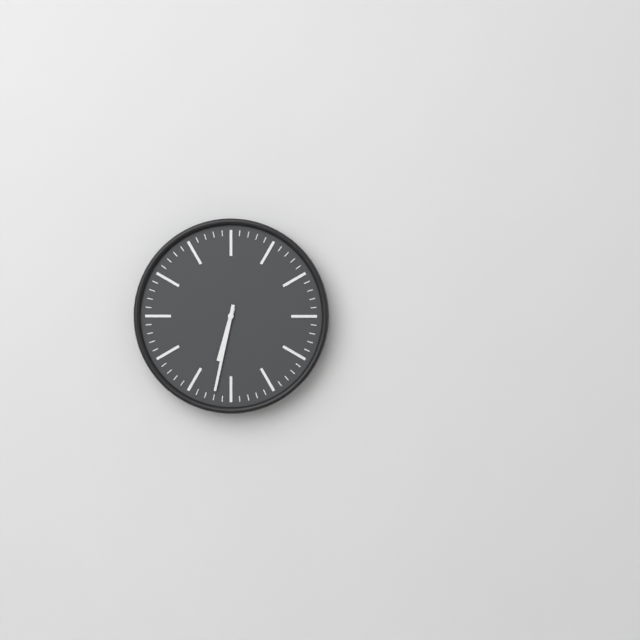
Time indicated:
6h32
